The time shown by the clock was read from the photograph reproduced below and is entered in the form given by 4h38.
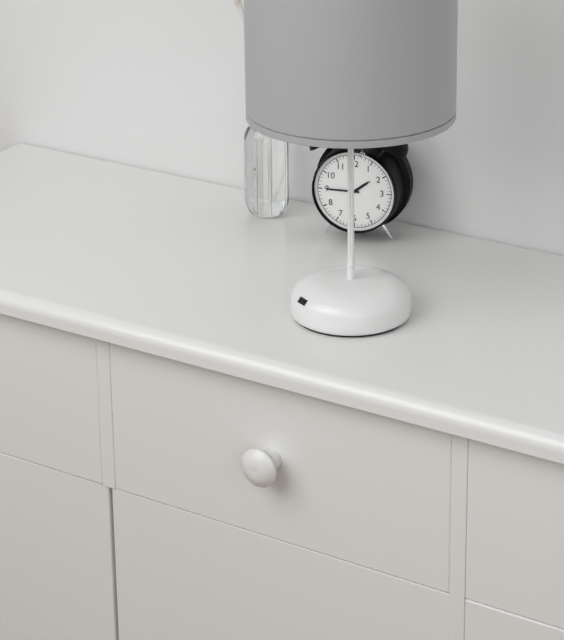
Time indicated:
1h45
